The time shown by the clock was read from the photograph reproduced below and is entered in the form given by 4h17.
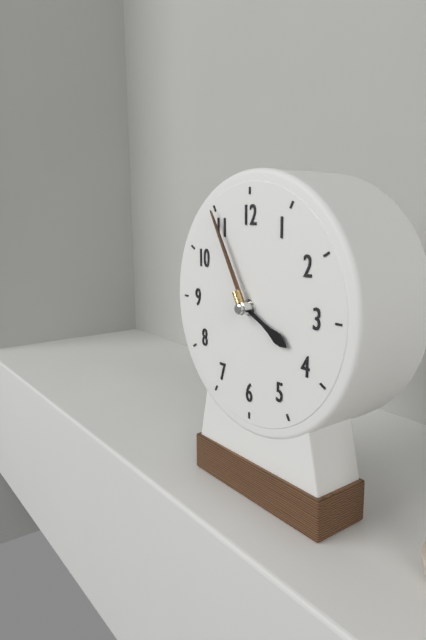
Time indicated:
3h55
